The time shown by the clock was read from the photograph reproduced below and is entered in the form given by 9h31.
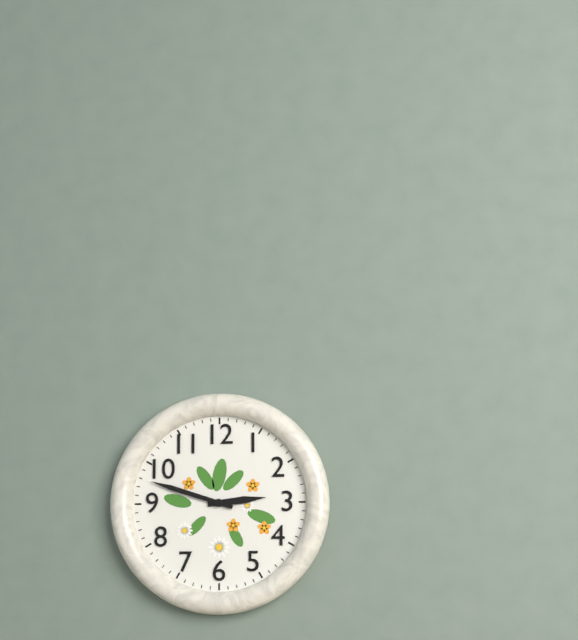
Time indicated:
2h48
